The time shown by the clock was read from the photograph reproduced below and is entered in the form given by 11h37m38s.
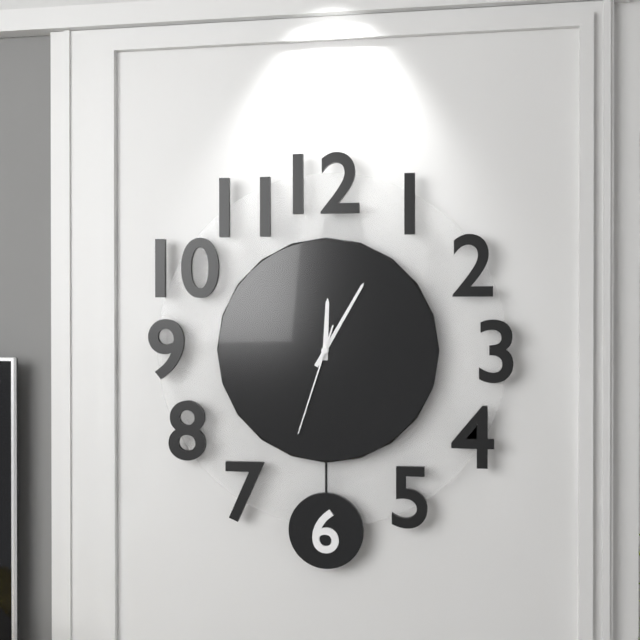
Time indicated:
12h05m33s
